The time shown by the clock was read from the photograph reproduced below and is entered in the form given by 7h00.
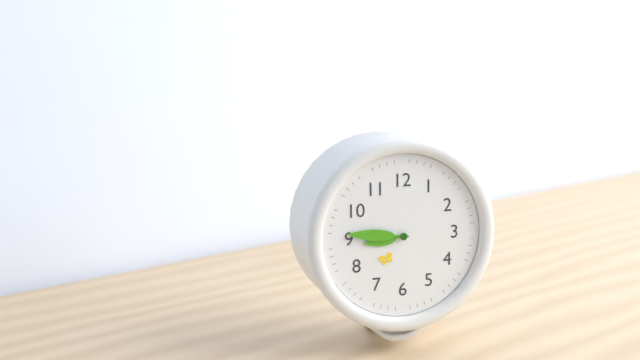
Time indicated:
8h46
